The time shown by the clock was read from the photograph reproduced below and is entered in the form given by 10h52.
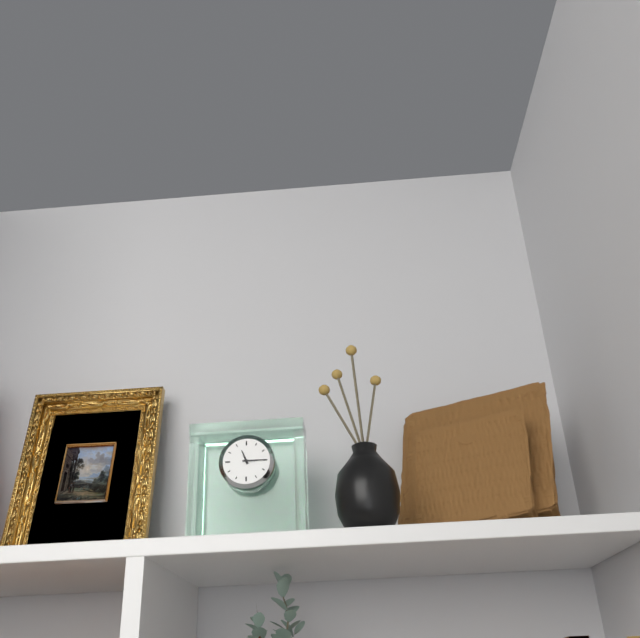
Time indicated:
11h15
